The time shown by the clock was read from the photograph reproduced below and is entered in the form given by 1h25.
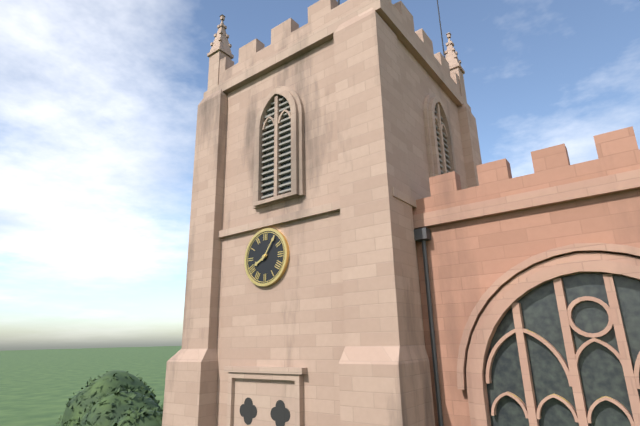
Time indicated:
8h06
